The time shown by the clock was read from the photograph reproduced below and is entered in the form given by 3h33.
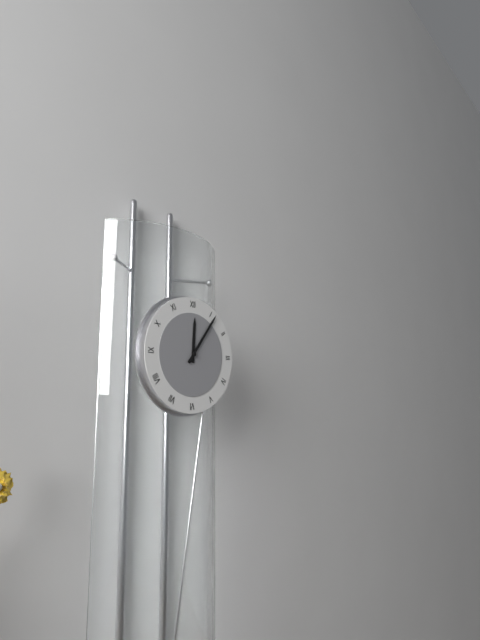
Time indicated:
12h06
